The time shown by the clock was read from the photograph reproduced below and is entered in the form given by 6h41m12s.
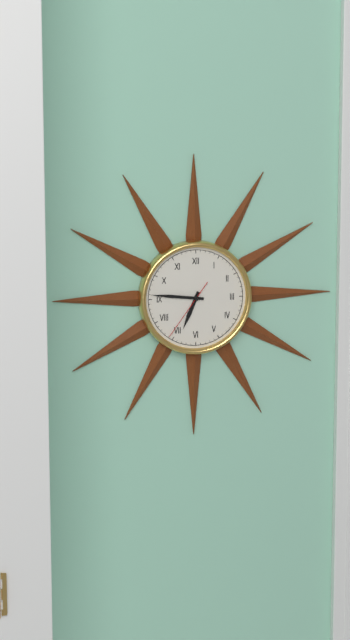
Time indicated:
6h46m36s
